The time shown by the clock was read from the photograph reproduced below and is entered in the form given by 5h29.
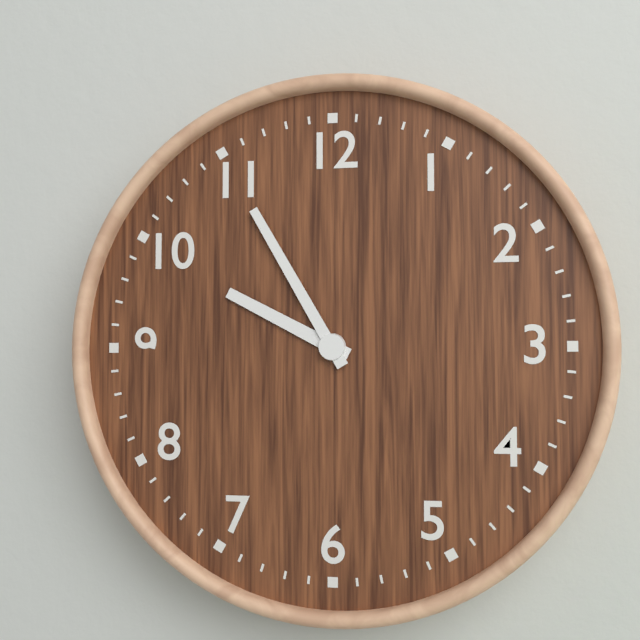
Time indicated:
9h55
